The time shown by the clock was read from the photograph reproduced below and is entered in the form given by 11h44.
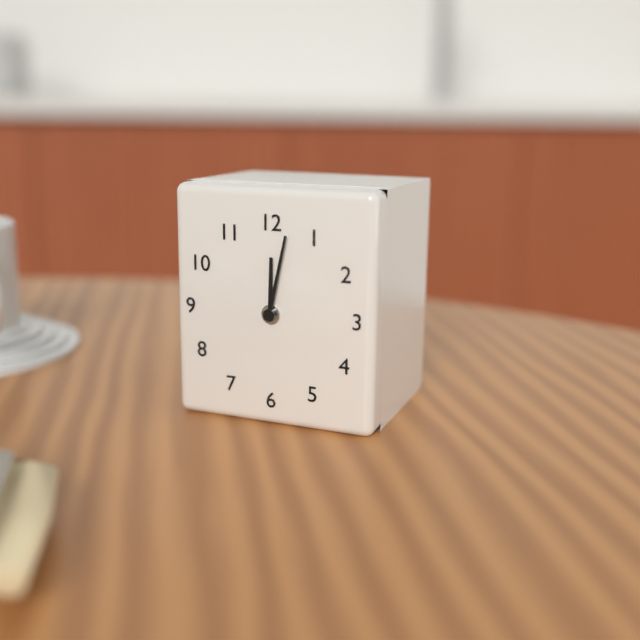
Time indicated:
12h02
